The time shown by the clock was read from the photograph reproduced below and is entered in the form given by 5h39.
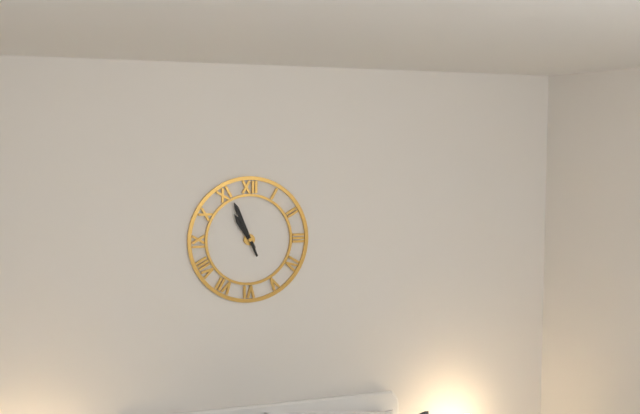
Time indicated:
10h56
